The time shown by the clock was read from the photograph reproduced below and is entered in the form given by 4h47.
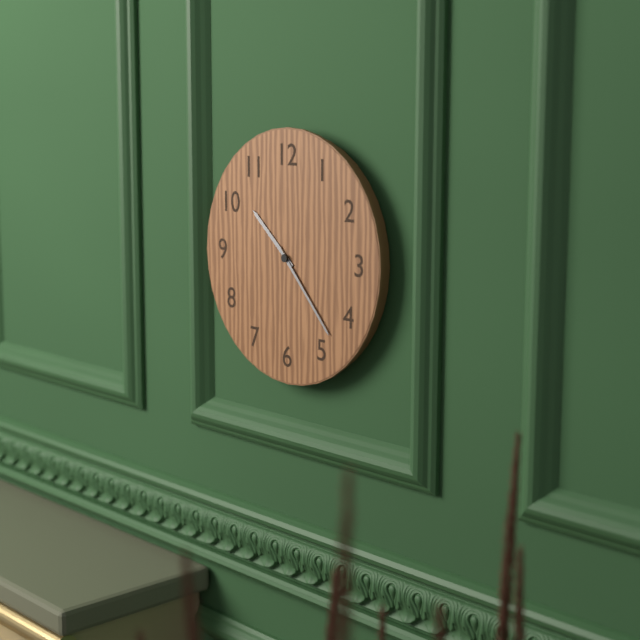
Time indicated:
10h23
